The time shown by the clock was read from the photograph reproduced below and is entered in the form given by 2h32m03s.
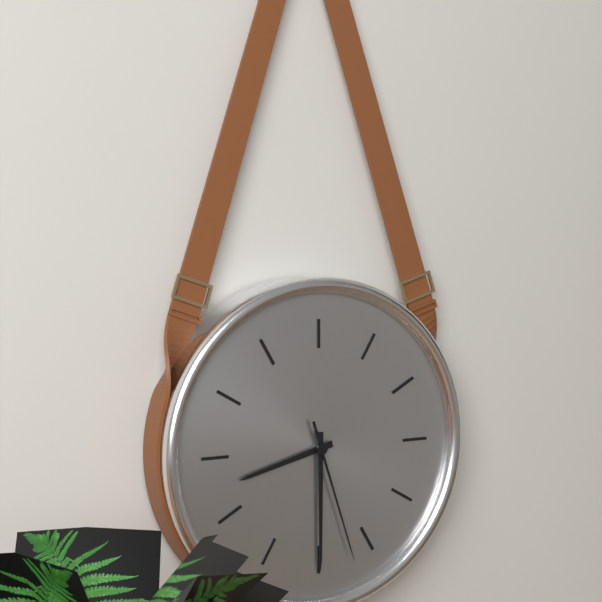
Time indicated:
8h30m27s
